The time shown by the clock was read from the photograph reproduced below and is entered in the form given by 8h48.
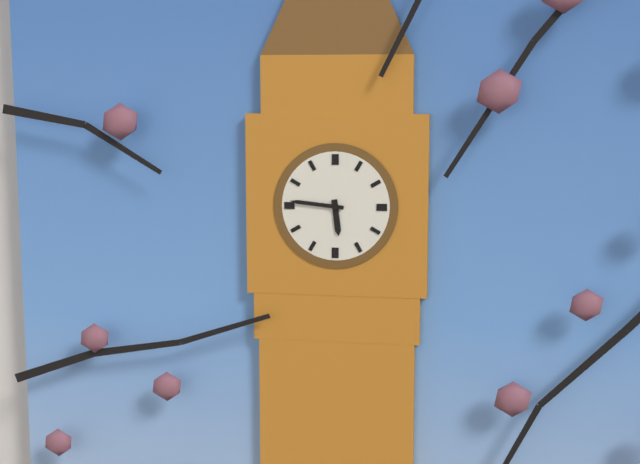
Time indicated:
5h46
